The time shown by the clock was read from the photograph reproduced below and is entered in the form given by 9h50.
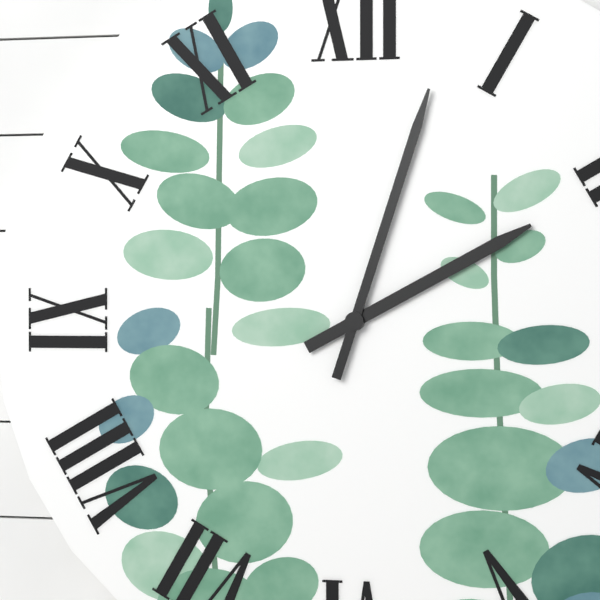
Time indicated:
2h03
